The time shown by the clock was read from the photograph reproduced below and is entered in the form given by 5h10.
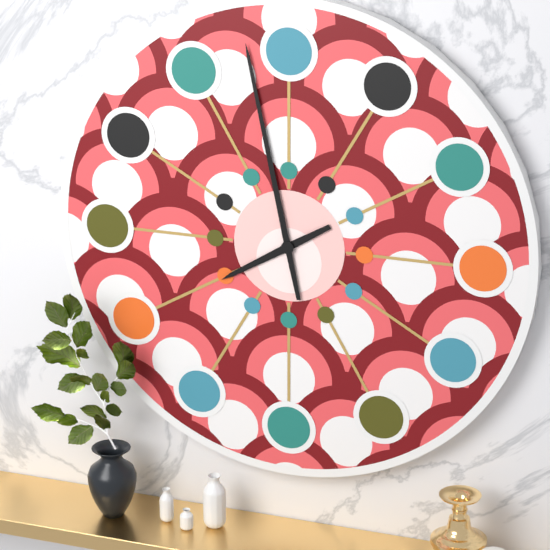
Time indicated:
7h58
